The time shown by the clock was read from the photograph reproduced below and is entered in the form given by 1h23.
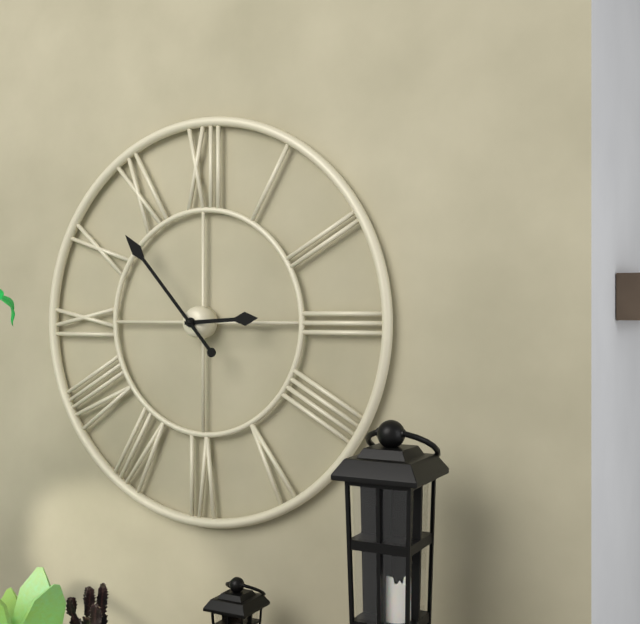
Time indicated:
2h53
